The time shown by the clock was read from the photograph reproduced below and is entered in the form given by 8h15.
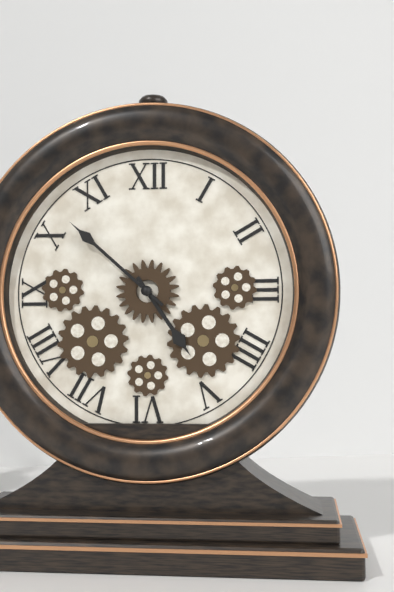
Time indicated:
4h52
